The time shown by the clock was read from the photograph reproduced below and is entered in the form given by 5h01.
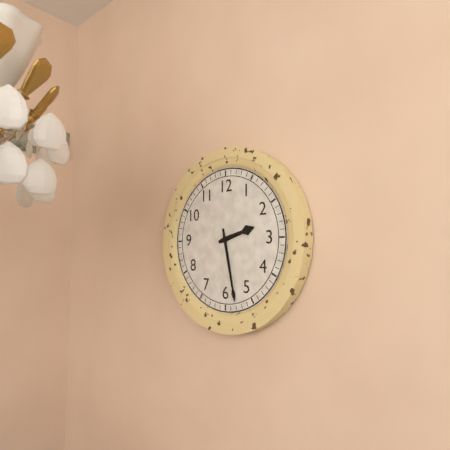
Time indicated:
2h28
